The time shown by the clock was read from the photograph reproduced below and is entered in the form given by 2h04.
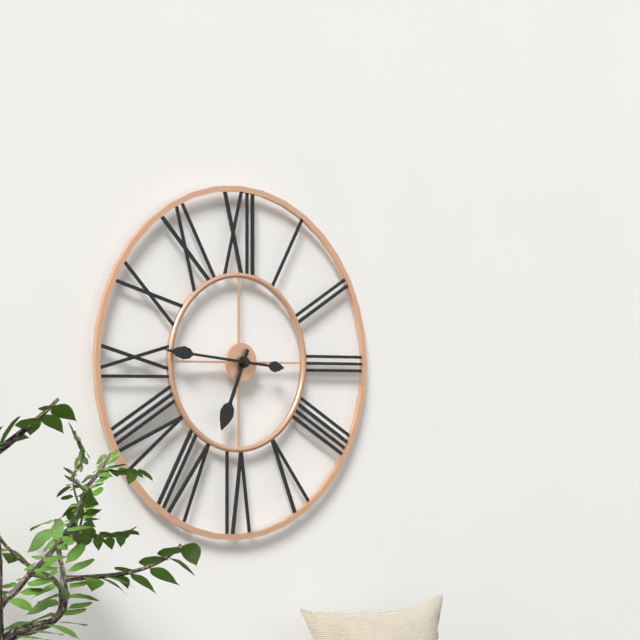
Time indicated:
6h46
